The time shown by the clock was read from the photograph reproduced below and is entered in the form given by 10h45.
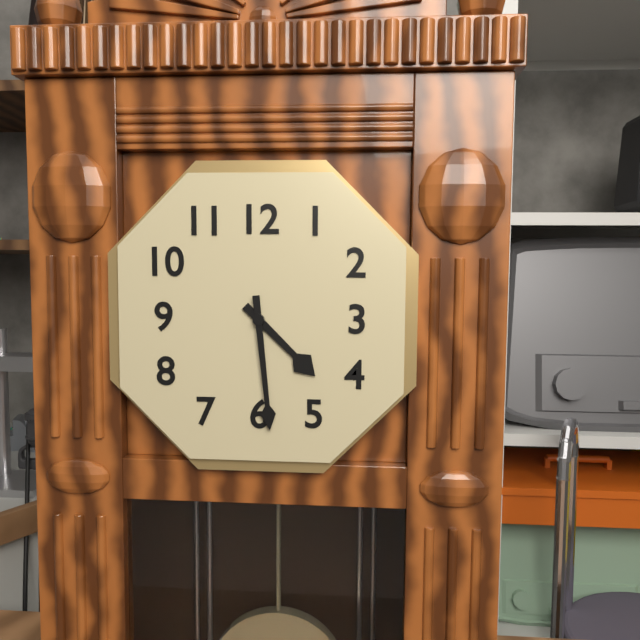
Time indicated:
4h29
